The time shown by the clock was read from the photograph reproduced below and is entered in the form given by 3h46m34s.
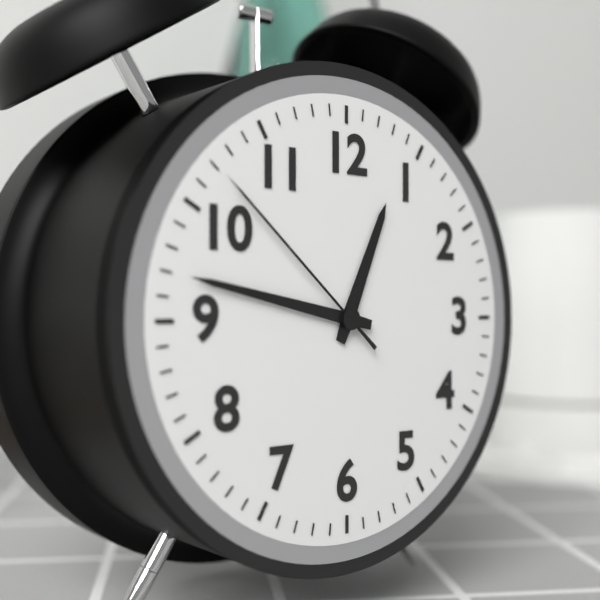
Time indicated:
12h47m52s
